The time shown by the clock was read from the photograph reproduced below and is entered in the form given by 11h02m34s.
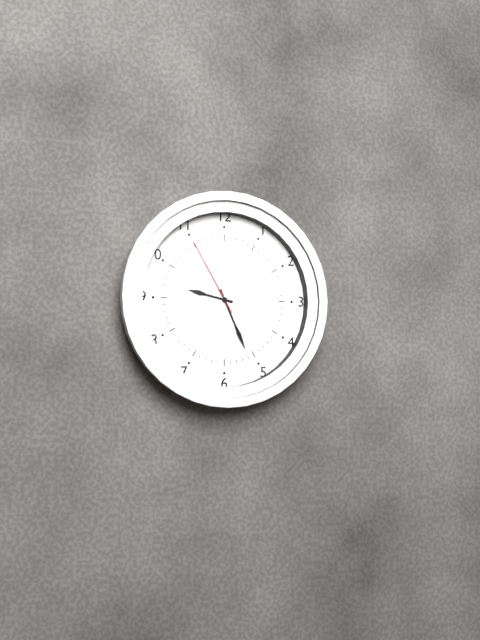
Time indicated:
9h26m55s
